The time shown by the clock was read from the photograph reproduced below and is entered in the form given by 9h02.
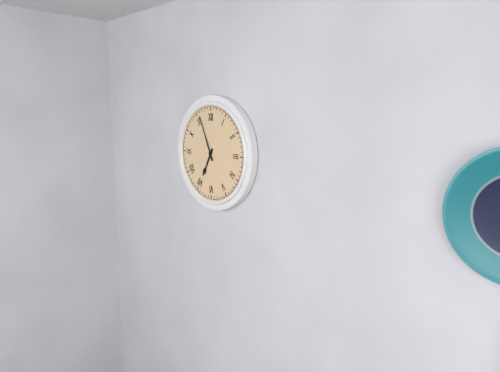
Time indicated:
6h56
